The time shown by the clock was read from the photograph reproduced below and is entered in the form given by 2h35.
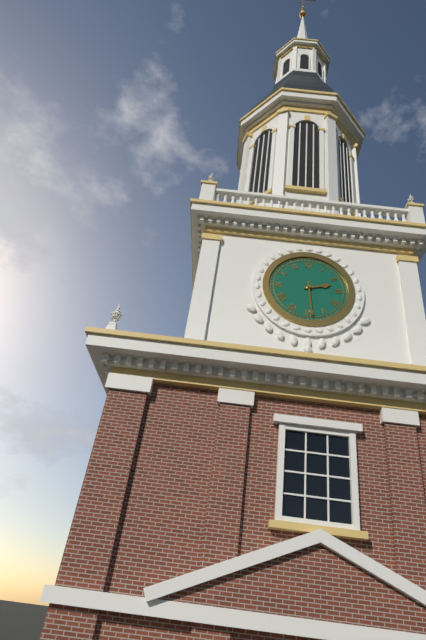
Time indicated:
2h29
